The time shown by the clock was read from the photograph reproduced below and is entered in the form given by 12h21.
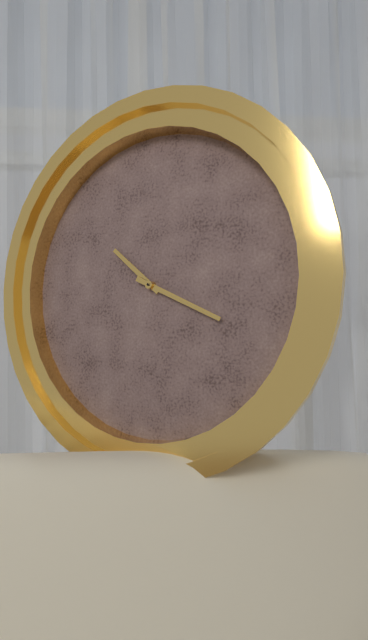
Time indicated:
10h19
